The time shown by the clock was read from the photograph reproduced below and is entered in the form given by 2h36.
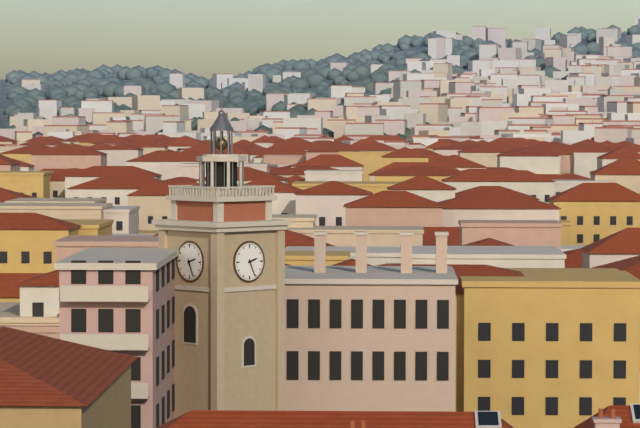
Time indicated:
2h26
